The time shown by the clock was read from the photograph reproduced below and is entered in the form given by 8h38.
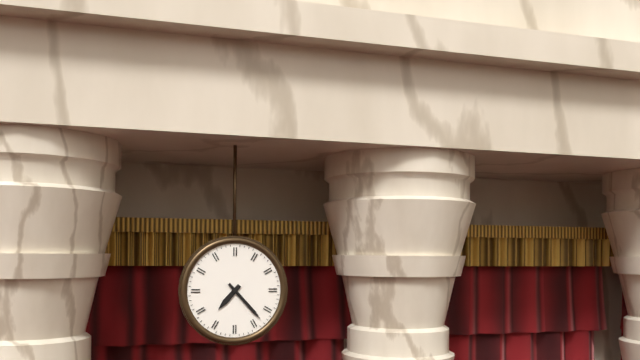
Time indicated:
7h23
